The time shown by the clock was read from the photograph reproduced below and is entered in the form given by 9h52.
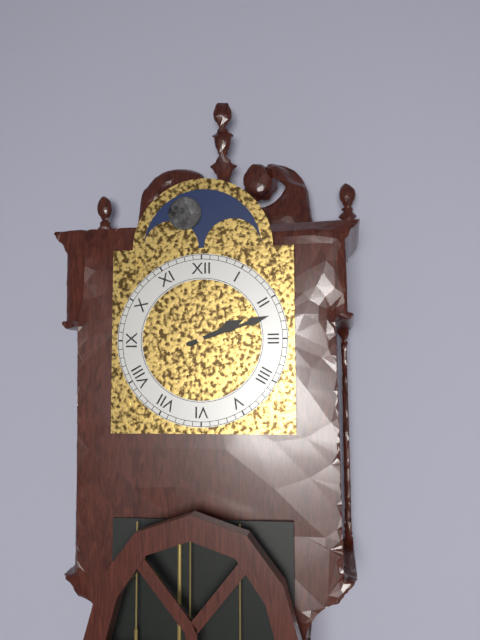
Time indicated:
2h12
